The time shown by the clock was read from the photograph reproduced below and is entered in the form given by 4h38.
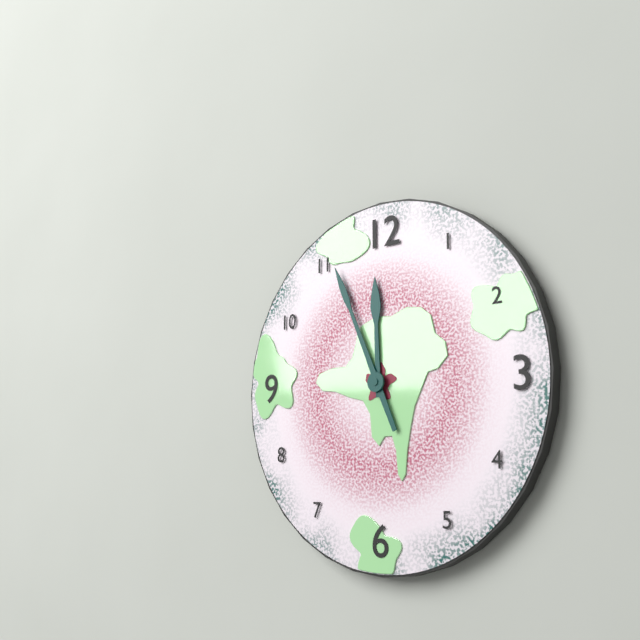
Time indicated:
11h56
